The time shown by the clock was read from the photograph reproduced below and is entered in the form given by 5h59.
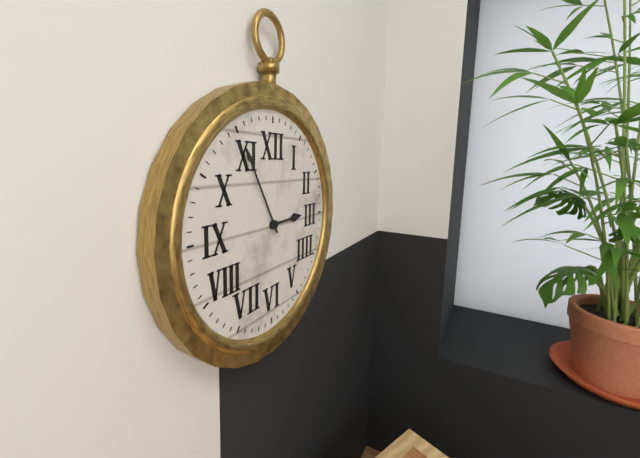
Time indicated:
2h55
